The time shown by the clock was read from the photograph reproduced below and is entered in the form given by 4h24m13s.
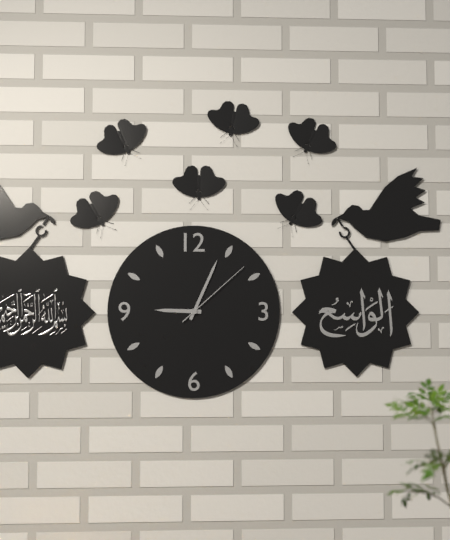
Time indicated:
9h04m08s
